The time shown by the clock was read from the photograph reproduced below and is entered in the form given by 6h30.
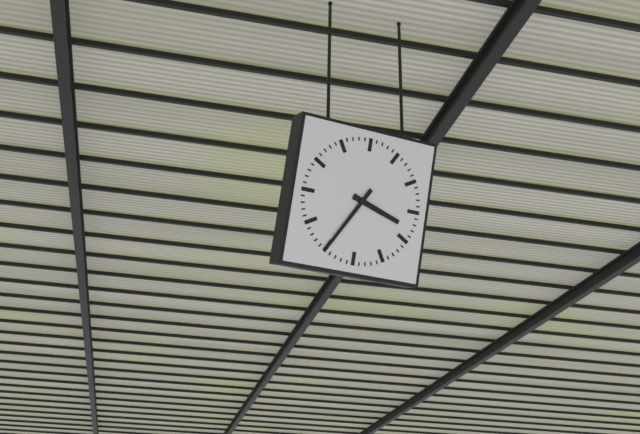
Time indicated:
3h35
